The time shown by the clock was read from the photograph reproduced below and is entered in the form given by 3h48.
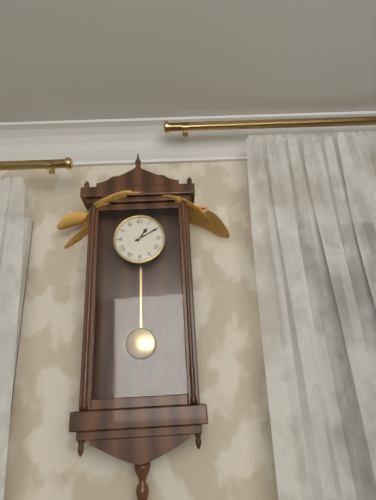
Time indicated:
1h10
